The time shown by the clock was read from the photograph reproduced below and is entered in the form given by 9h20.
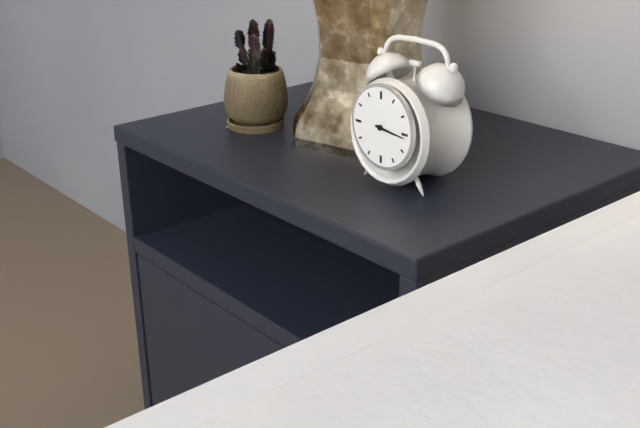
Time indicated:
3h16
